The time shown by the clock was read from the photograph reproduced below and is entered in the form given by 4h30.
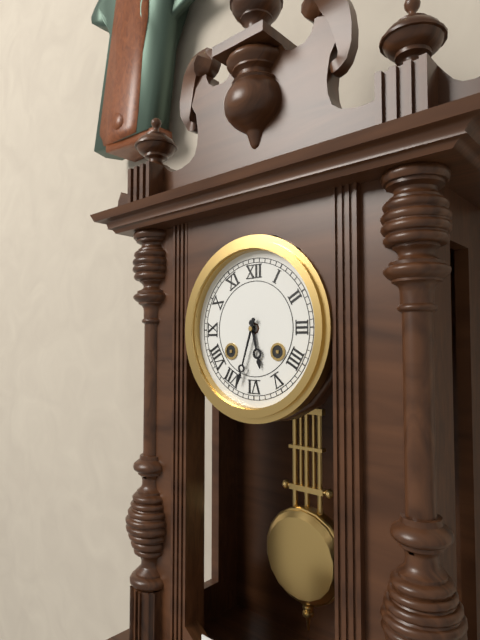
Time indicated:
5h33
